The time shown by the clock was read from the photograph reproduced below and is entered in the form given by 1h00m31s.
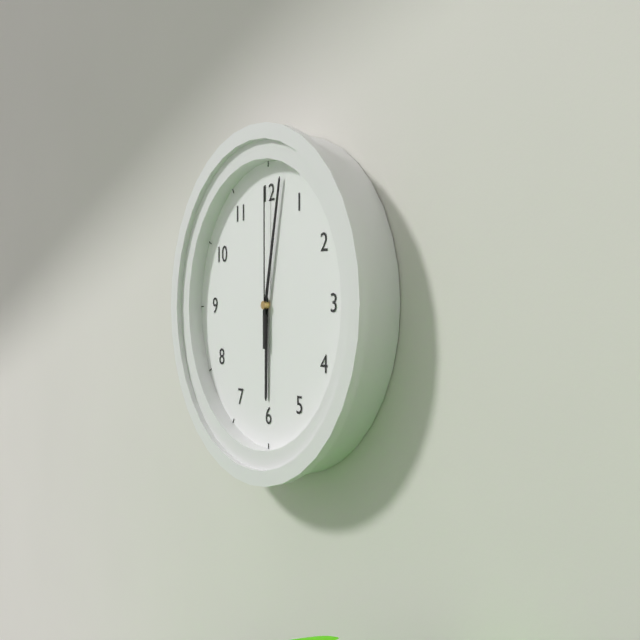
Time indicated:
6h02m00s
